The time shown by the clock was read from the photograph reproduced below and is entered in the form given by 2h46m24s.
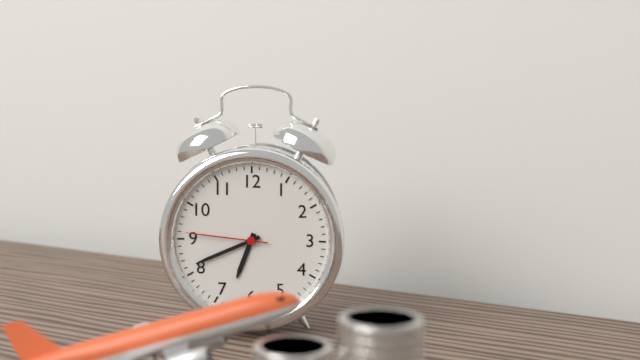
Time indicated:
6h41m46s
